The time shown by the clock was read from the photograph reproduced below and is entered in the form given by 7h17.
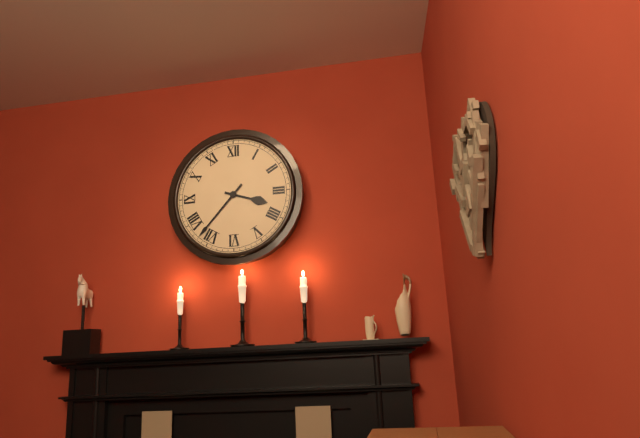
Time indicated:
3h37
